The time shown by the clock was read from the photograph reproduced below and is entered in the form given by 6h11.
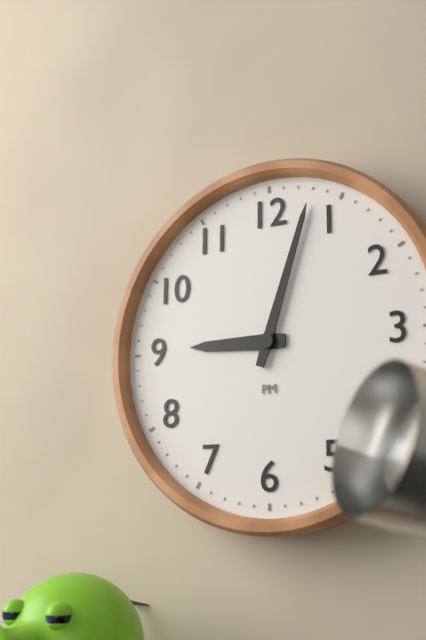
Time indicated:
9h03
